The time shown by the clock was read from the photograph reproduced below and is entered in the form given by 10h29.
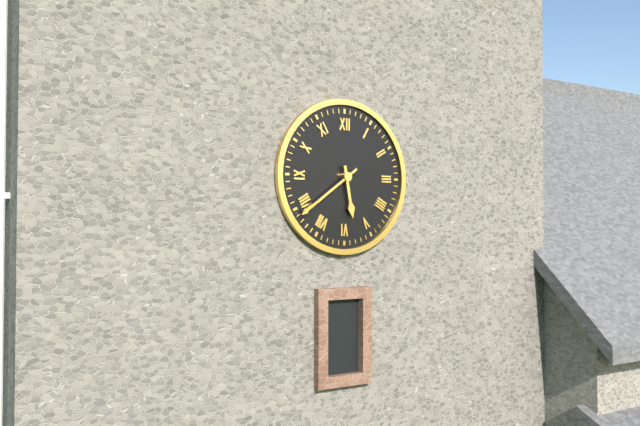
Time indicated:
5h39
